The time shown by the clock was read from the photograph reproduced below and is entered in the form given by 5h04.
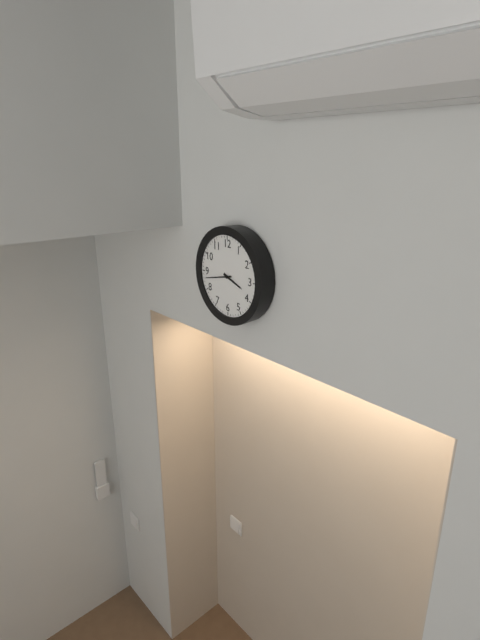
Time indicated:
3h43
